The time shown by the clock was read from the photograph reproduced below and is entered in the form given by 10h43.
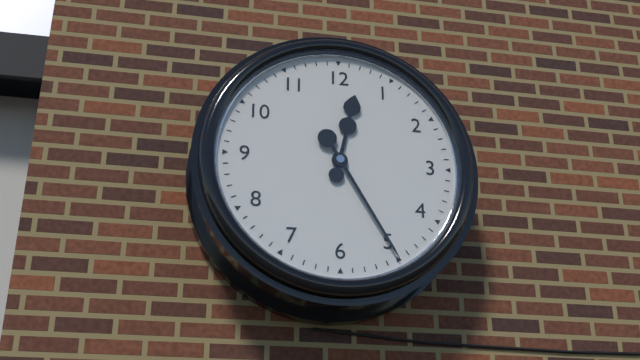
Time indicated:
12h25
